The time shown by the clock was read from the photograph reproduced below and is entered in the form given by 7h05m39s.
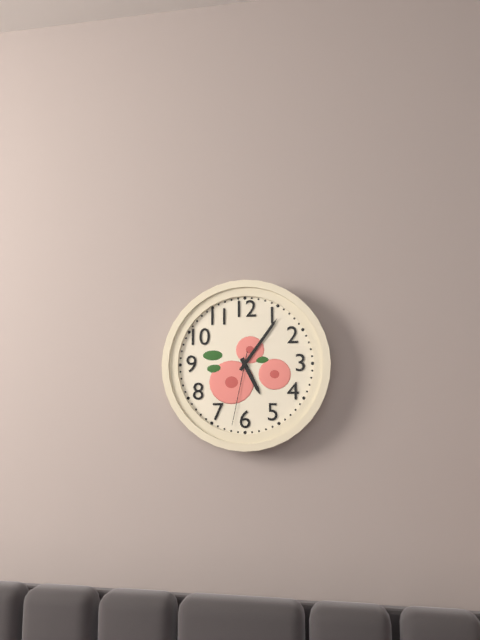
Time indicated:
5h06m32s
